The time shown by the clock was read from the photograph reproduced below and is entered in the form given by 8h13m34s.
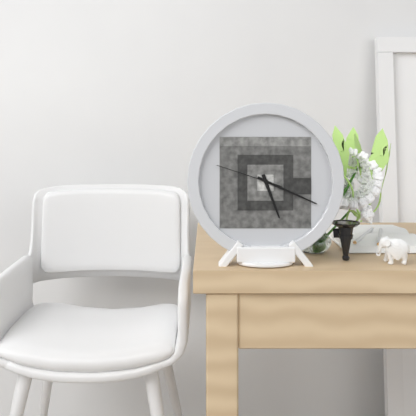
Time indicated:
5h19m48s
